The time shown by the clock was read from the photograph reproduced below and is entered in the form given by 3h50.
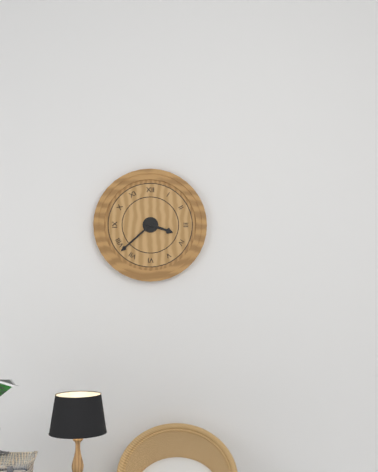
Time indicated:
3h38
